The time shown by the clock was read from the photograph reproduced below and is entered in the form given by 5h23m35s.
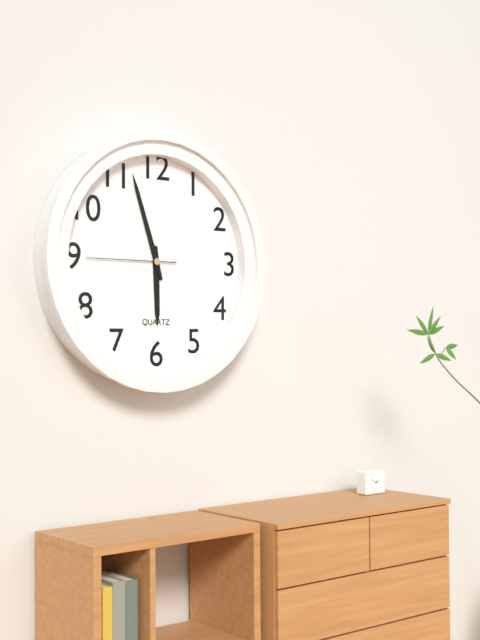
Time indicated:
5h57m45s
